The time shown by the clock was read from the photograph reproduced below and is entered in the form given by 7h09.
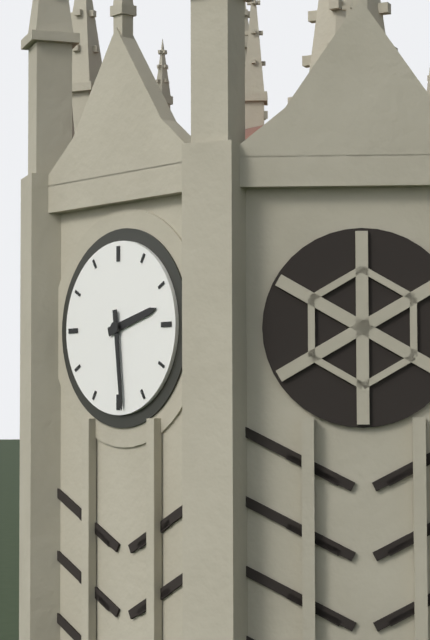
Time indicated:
2h29
